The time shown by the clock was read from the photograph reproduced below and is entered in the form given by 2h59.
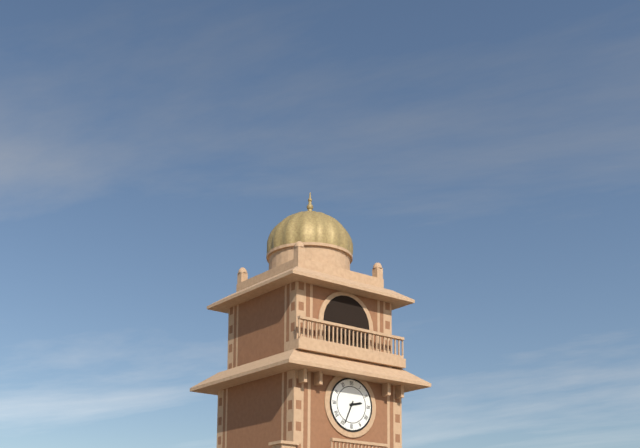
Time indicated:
2h34
